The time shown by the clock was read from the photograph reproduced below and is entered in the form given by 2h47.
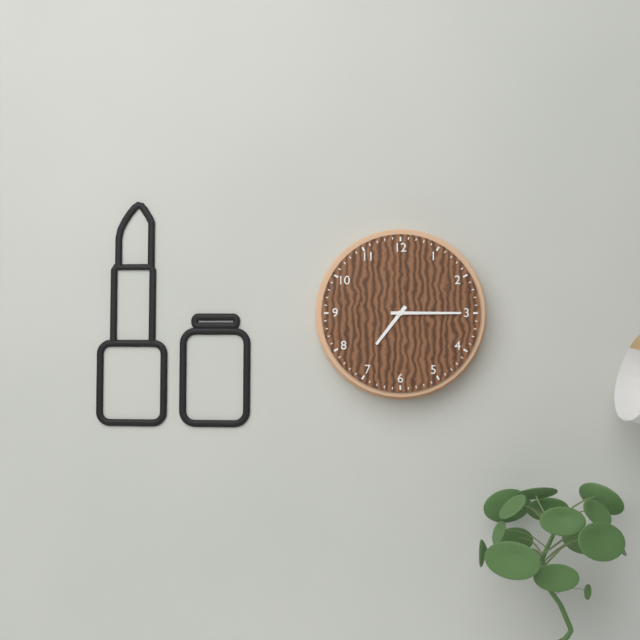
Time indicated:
7h15
